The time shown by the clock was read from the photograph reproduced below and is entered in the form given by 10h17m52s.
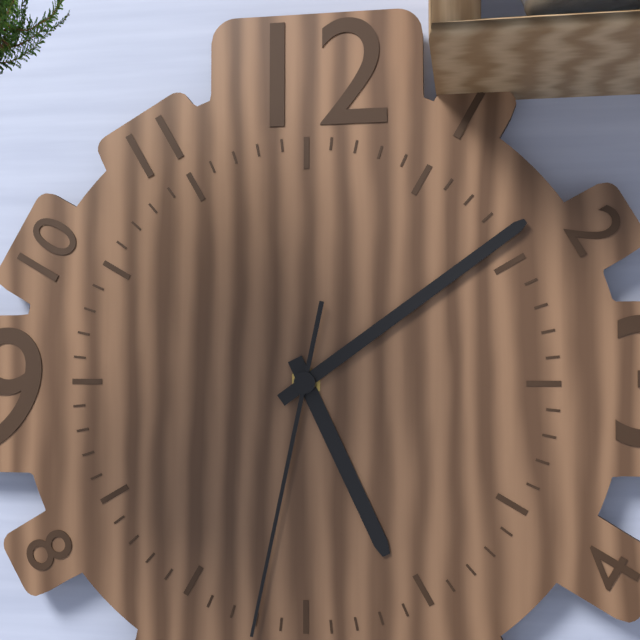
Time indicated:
5h09m32s
